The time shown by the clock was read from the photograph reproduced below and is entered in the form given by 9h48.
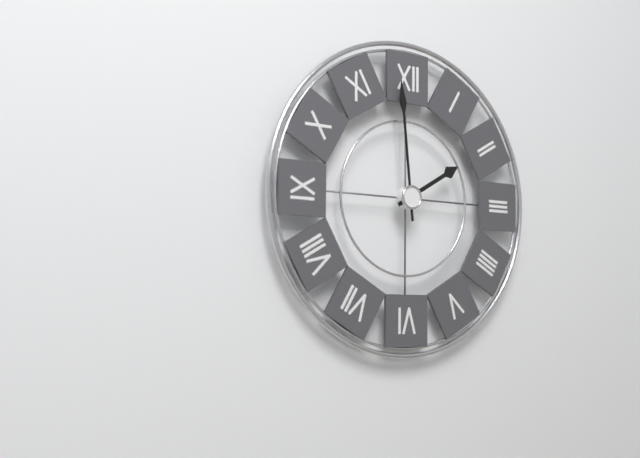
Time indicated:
1h59
